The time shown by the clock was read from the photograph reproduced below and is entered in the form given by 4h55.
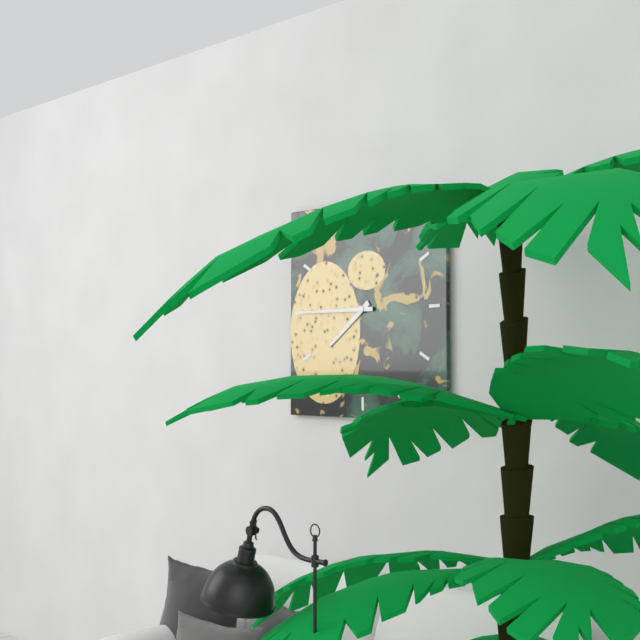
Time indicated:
7h45
